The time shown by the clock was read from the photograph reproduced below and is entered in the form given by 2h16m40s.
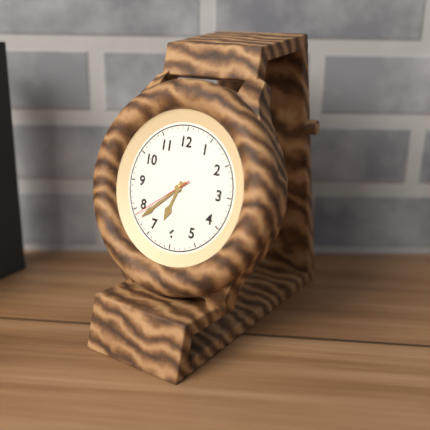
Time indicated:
6h38m39s
